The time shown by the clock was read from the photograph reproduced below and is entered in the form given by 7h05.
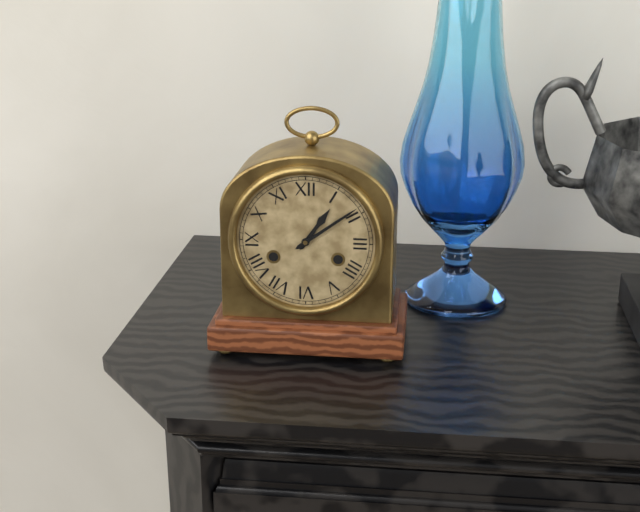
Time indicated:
1h09
